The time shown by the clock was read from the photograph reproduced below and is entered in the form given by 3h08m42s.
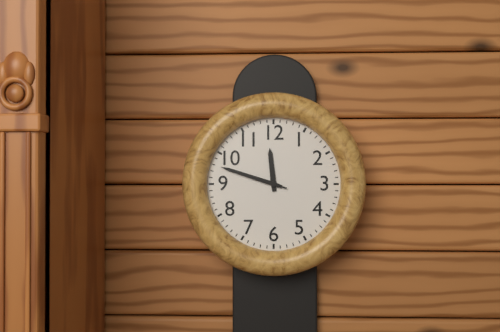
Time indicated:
11h48m48s
